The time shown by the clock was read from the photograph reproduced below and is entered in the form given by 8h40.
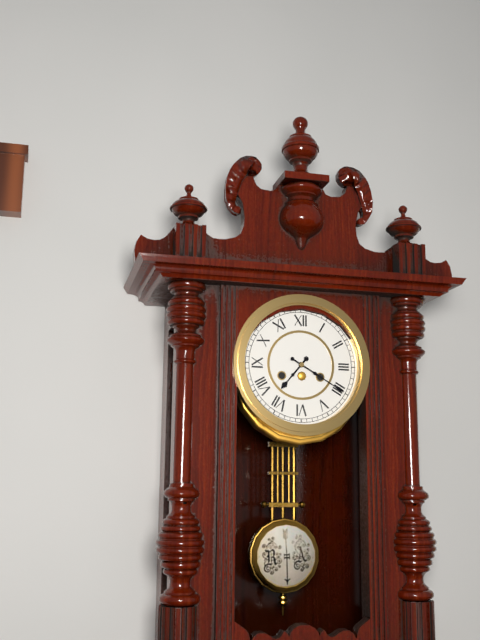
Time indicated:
7h20
